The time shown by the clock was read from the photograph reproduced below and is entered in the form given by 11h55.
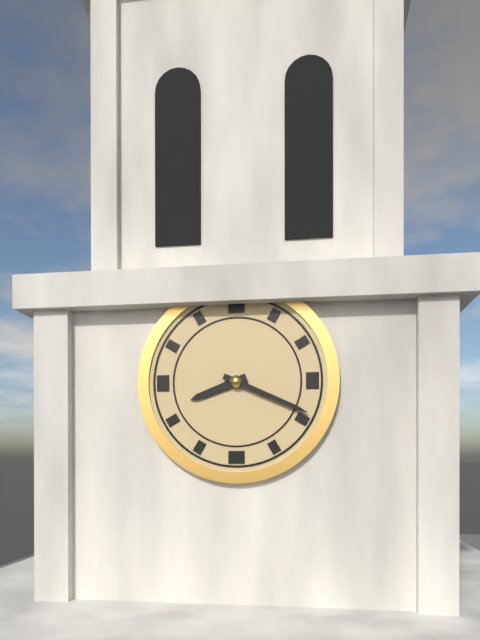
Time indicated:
8h19
